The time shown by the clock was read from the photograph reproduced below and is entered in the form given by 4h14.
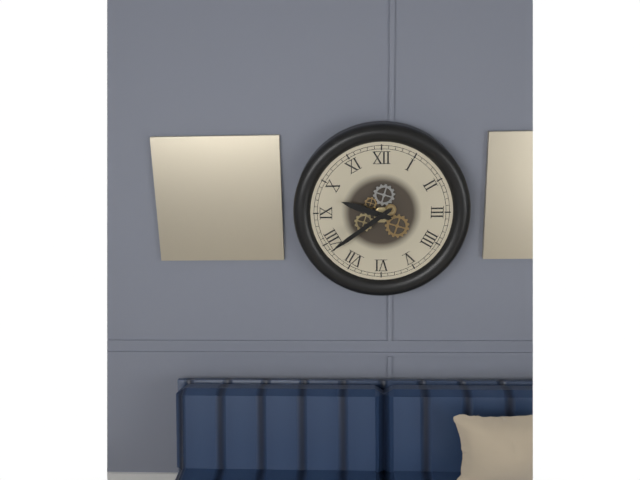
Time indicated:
9h39
